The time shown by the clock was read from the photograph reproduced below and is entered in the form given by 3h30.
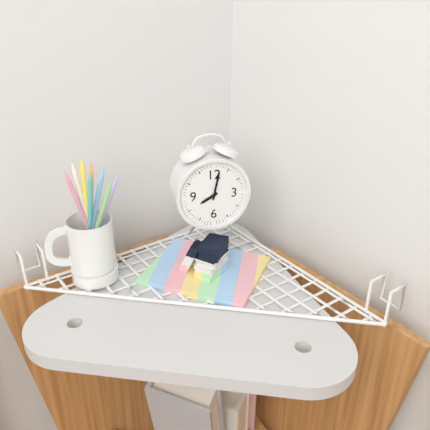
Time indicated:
8h02
